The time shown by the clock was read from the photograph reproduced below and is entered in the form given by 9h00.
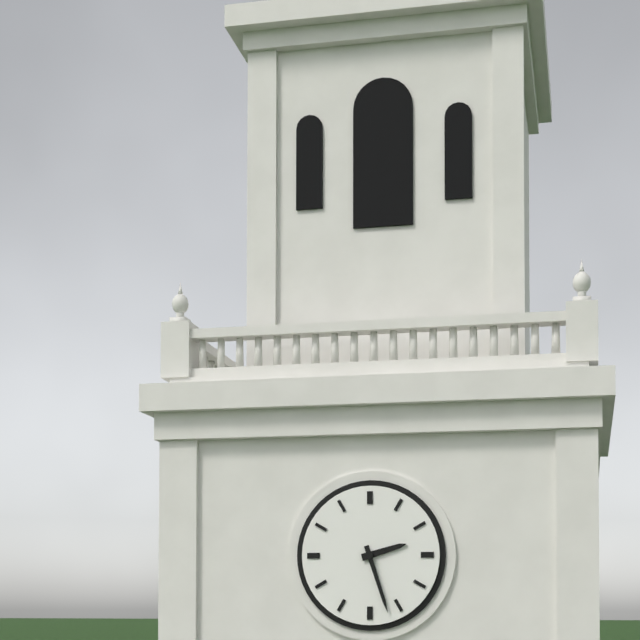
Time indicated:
2h27
